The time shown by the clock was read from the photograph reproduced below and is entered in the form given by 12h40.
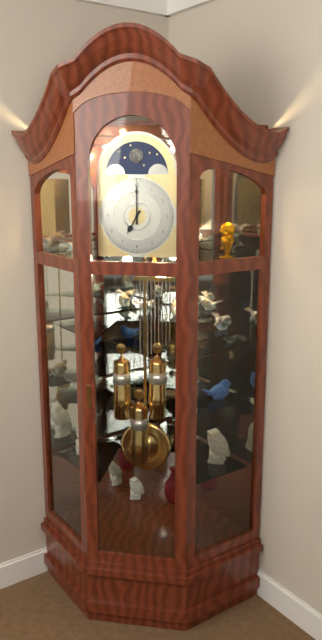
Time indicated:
7h00
